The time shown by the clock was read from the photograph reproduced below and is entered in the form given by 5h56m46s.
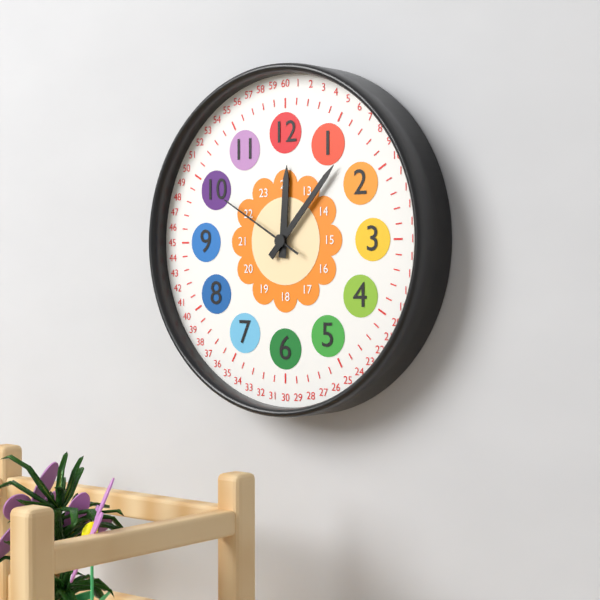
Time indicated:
12h07m50s
